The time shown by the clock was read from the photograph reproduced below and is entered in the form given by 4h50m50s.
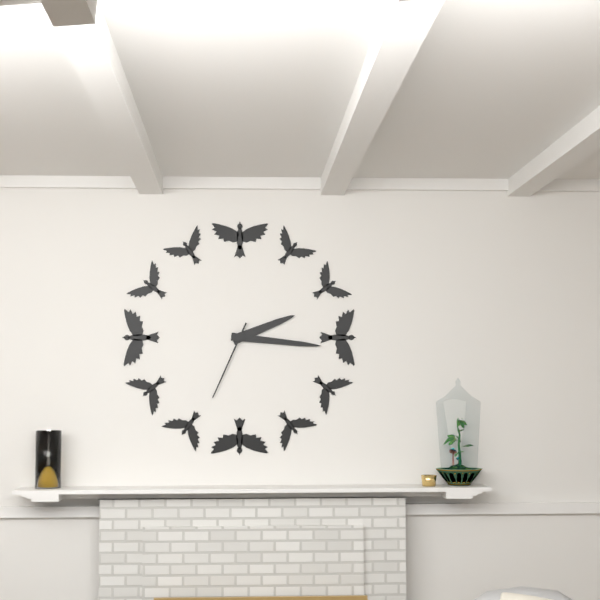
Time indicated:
2h16m34s
